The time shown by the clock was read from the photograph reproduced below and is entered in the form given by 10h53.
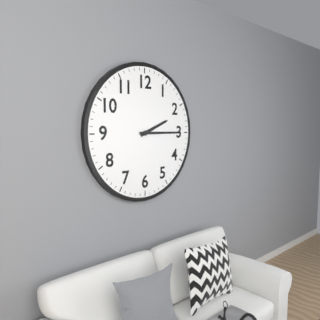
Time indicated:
2h15
